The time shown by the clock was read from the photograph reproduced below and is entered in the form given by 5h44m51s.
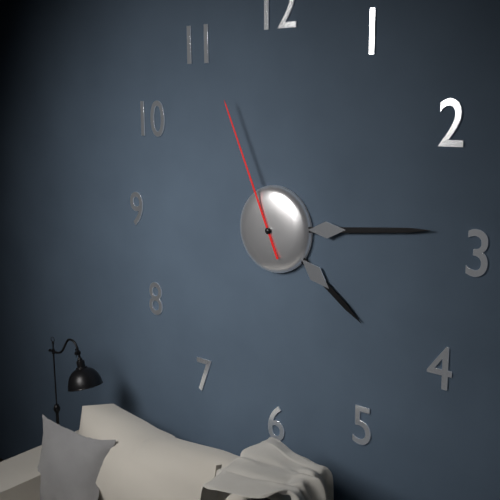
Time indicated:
4h14m56s
